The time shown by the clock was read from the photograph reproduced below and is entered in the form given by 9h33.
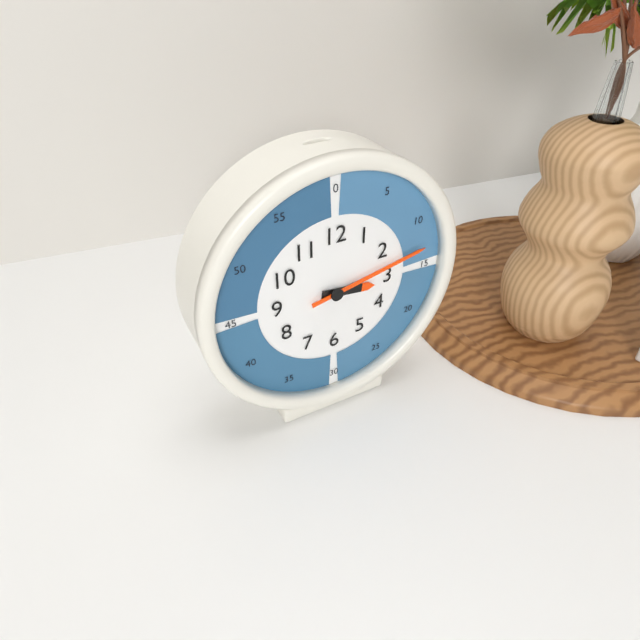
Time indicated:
3h13
